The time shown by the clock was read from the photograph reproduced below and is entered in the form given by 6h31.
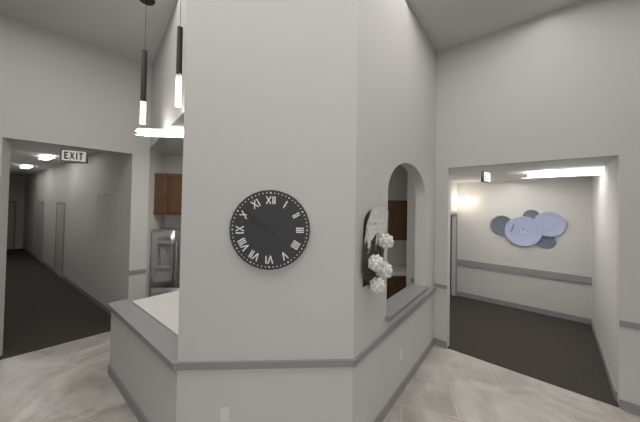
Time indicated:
9h51
